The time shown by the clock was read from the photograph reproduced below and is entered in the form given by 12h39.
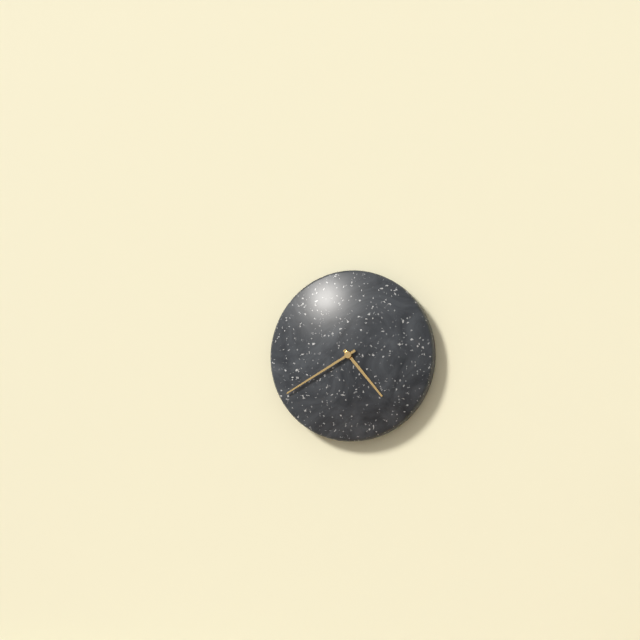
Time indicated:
4h40
